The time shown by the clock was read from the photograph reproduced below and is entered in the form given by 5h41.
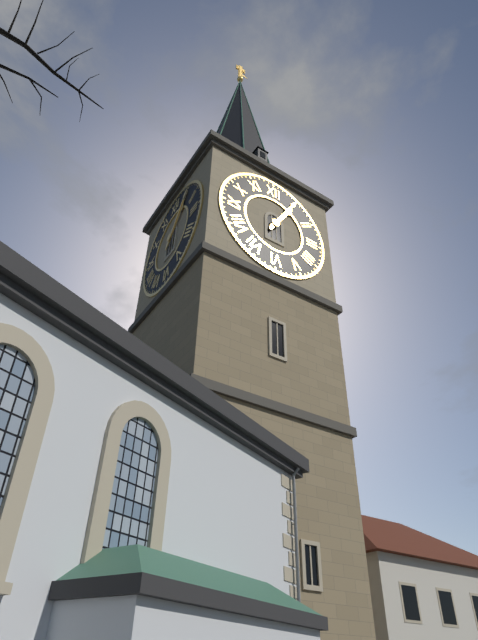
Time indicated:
1h05
